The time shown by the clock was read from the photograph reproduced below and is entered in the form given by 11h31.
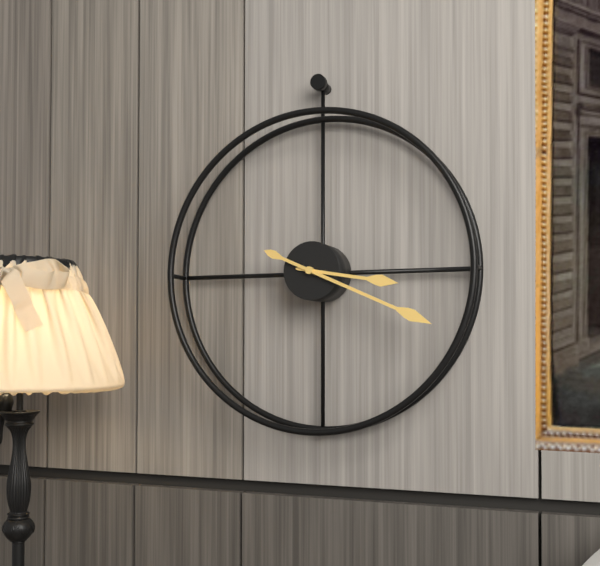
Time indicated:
3h19
